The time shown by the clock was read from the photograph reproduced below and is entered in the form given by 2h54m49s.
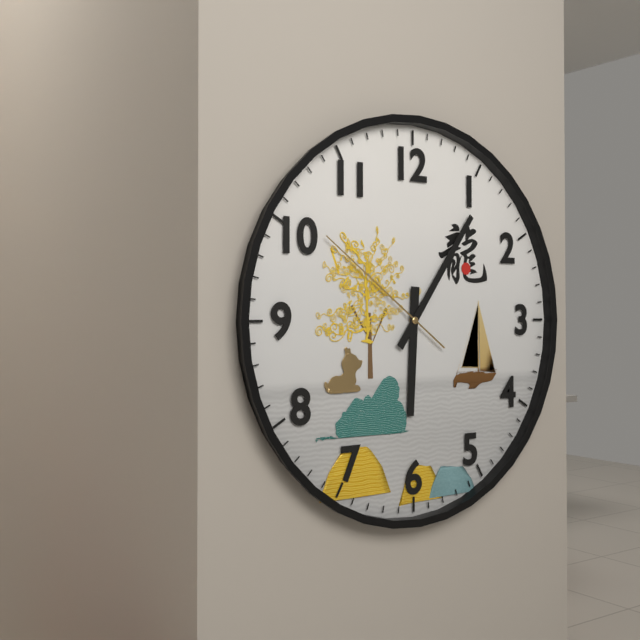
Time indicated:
6h06m51s
